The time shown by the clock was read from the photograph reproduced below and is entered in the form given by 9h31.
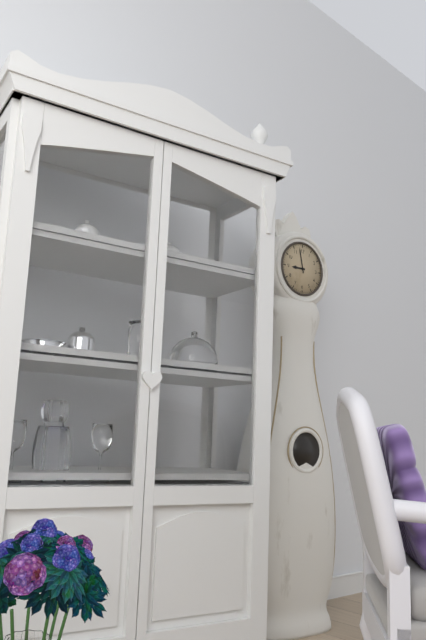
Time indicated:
8h58
